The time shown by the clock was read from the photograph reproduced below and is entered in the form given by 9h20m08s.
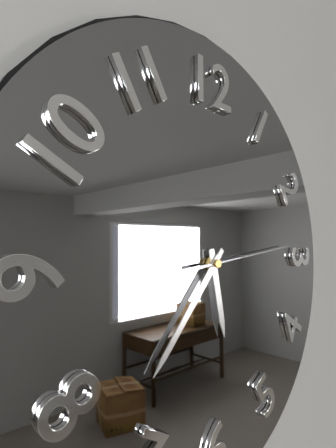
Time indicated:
5h37m14s
